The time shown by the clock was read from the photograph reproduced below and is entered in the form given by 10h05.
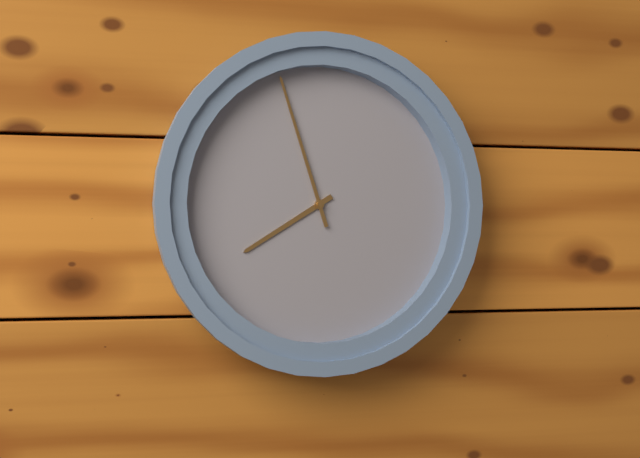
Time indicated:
7h57
